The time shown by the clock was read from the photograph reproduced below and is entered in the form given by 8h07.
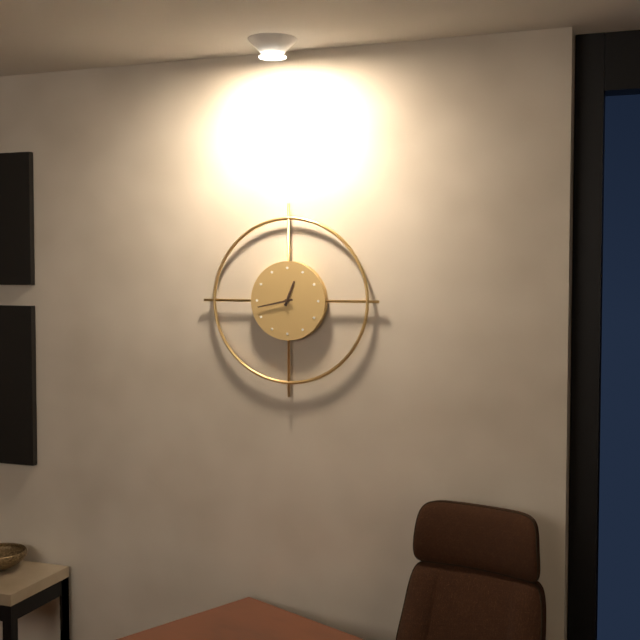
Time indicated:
12h43
